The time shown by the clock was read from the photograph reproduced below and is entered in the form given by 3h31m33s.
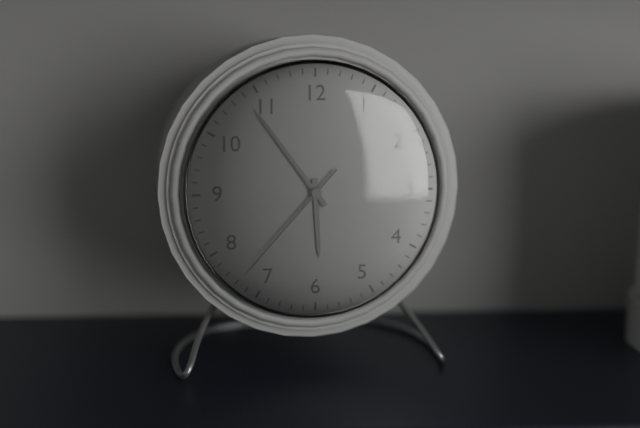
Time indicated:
5h54m37s
